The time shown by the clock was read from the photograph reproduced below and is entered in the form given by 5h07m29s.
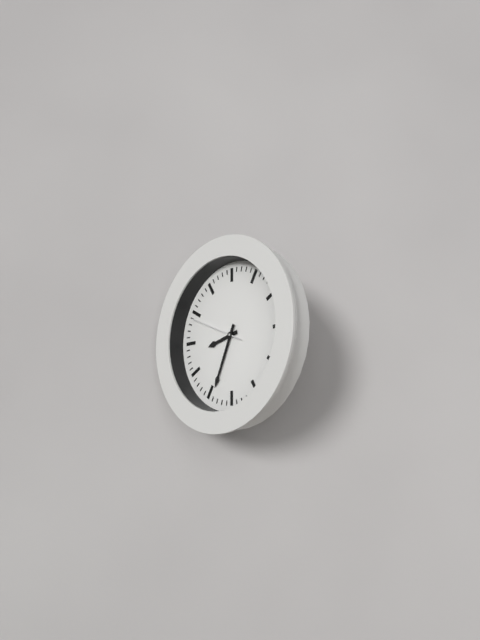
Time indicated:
8h34m49s
